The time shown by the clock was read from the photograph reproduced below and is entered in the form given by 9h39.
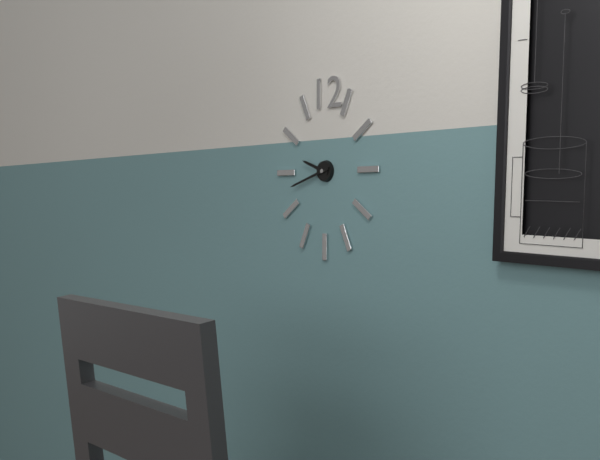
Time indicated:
9h42
